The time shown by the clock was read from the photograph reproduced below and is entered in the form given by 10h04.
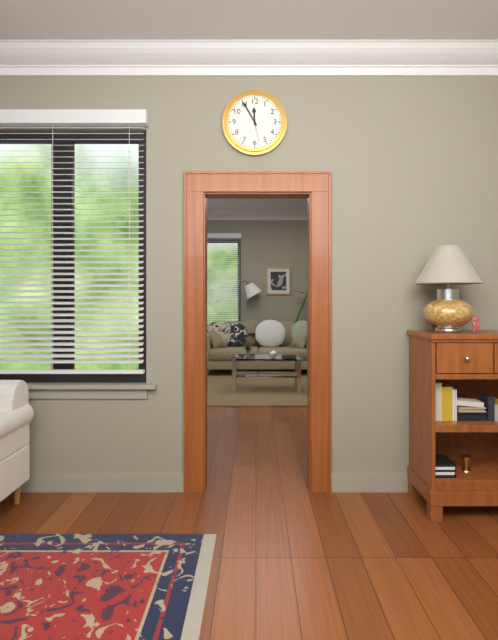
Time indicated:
11h55
